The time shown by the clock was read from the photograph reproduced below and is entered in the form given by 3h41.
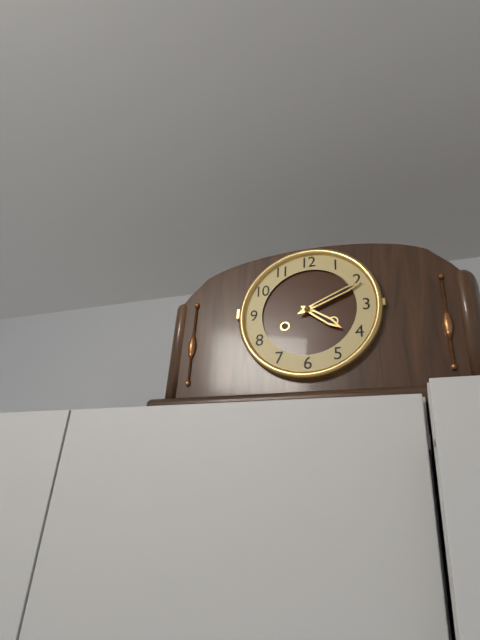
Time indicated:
4h11
